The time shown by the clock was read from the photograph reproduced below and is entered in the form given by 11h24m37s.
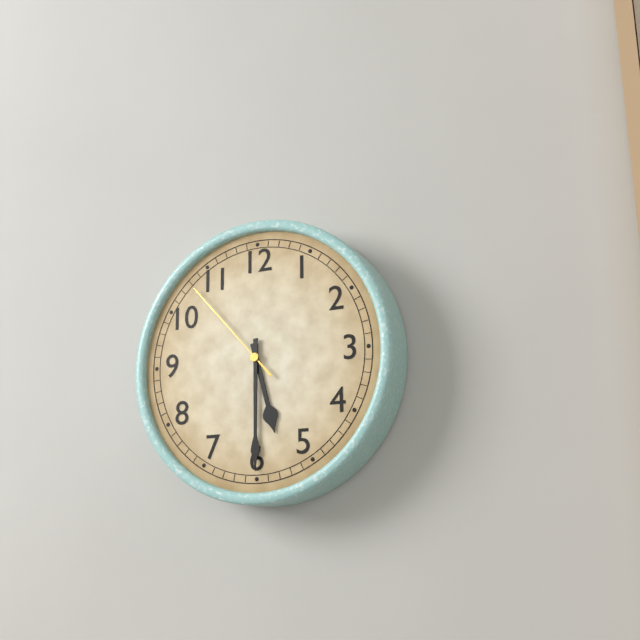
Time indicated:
5h30m53s
